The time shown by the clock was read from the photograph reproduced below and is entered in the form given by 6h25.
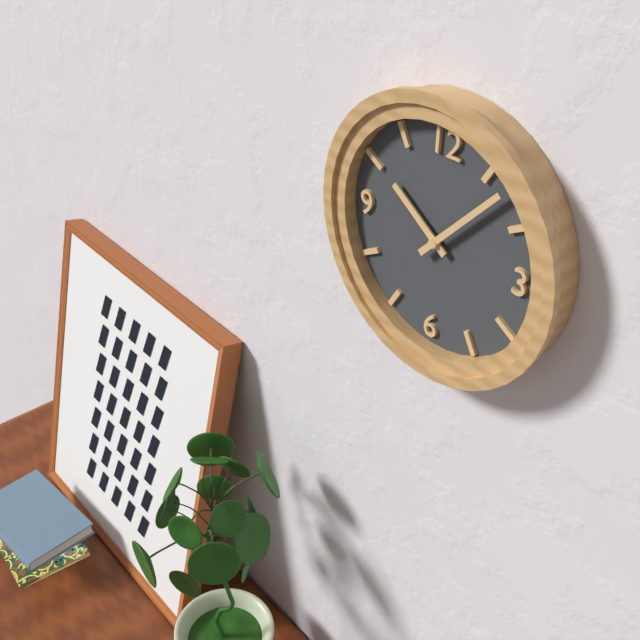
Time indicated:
10h07
